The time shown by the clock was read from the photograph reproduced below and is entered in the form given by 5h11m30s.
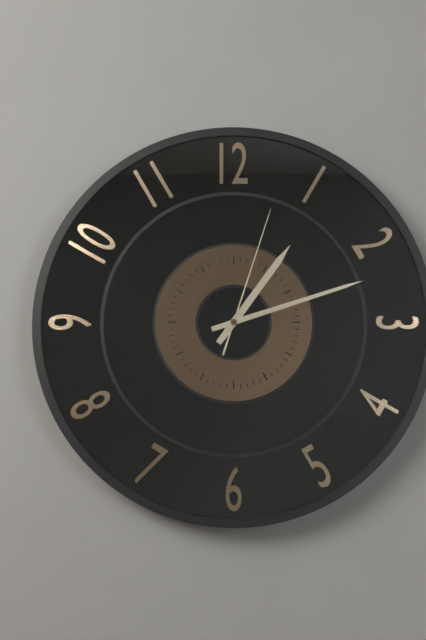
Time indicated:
1h12m03s
